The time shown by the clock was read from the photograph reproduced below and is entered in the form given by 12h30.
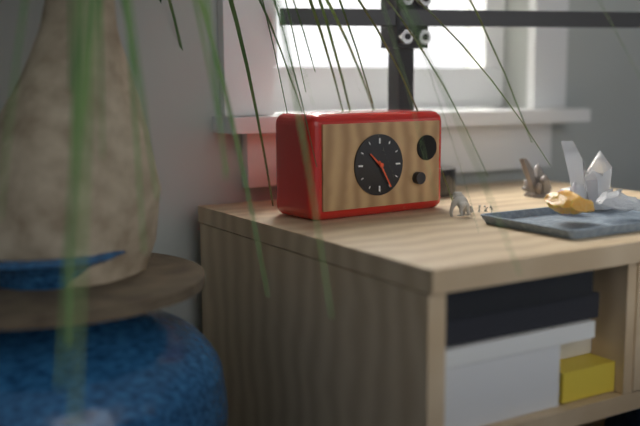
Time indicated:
10h25
